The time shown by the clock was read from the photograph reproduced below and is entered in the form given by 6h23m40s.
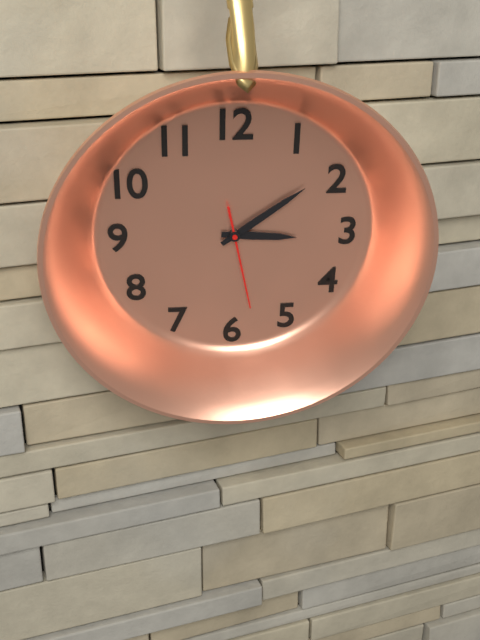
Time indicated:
3h09m28s
